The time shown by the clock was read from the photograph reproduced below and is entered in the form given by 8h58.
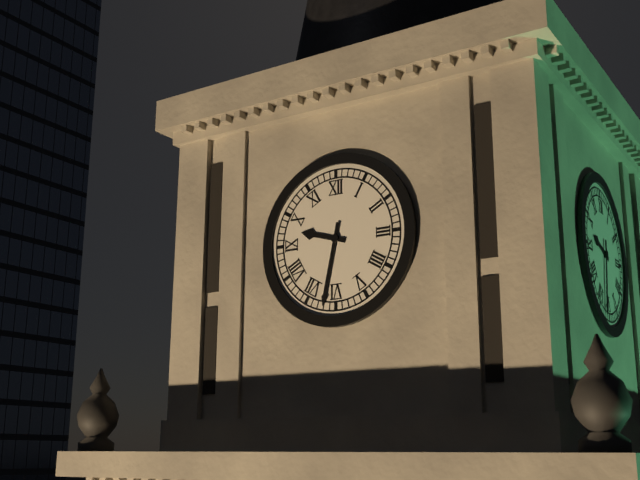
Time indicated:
9h32
